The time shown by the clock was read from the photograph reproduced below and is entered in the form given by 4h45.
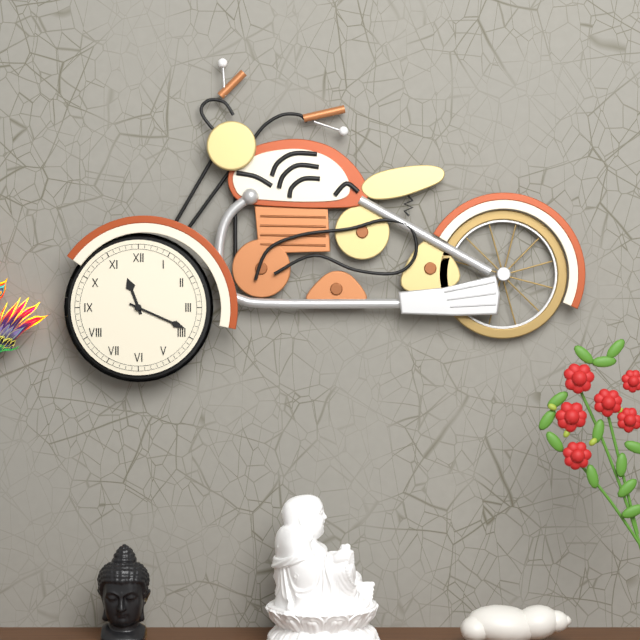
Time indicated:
11h19
